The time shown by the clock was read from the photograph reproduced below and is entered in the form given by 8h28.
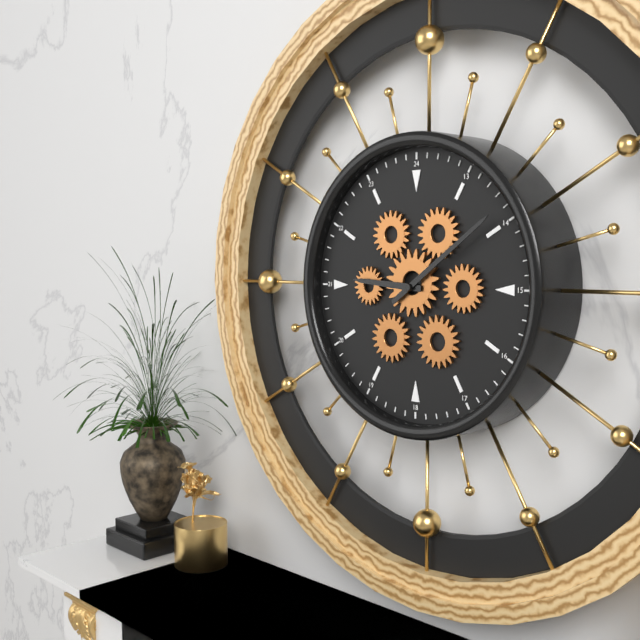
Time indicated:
9h09
